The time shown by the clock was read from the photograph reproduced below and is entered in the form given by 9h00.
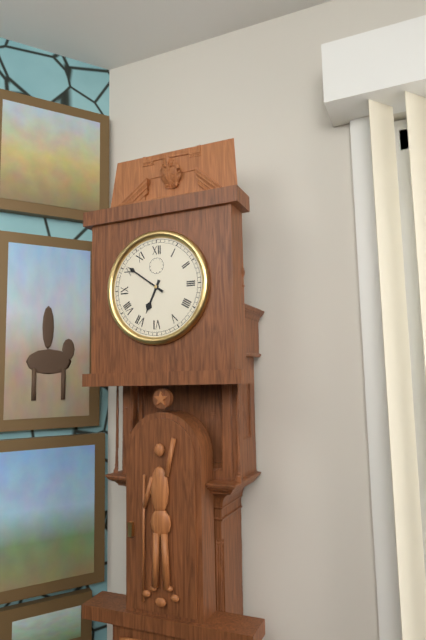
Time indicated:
6h51
